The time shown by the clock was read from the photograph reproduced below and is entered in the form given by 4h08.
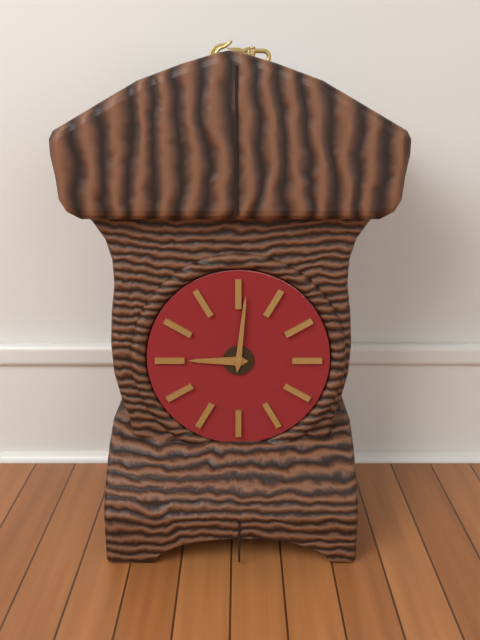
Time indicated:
9h01
